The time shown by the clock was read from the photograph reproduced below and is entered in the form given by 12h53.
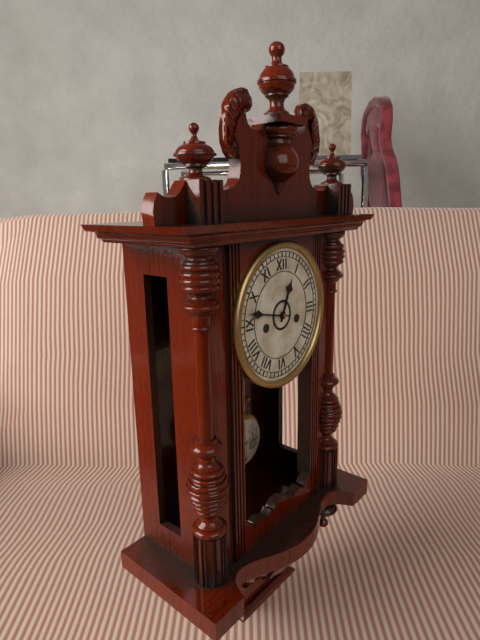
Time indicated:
12h47
